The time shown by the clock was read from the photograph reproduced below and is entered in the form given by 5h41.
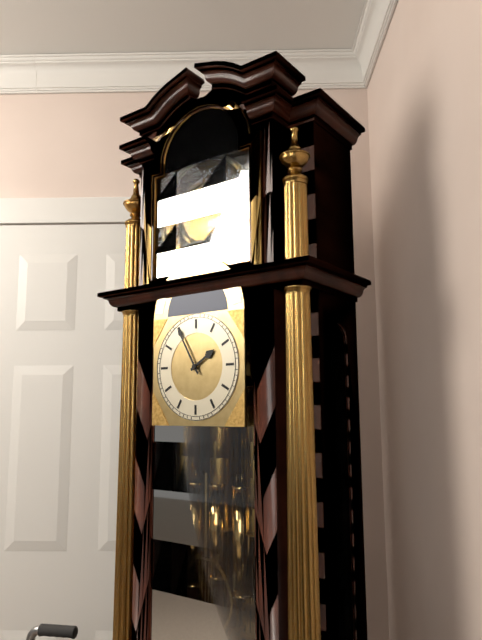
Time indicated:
1h55
